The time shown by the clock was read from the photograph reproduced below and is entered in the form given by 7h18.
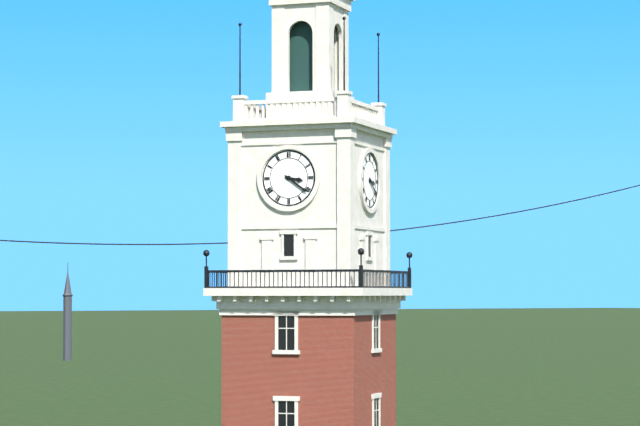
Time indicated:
3h21
